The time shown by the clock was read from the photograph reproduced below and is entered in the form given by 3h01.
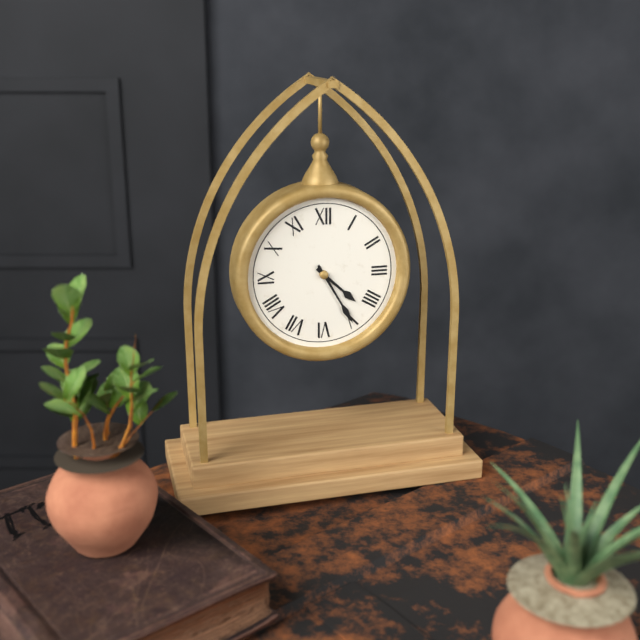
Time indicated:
4h25
